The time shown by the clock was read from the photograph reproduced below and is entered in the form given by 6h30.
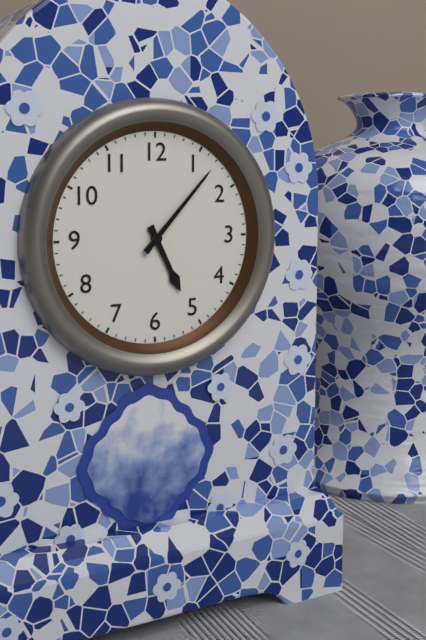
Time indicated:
5h07
